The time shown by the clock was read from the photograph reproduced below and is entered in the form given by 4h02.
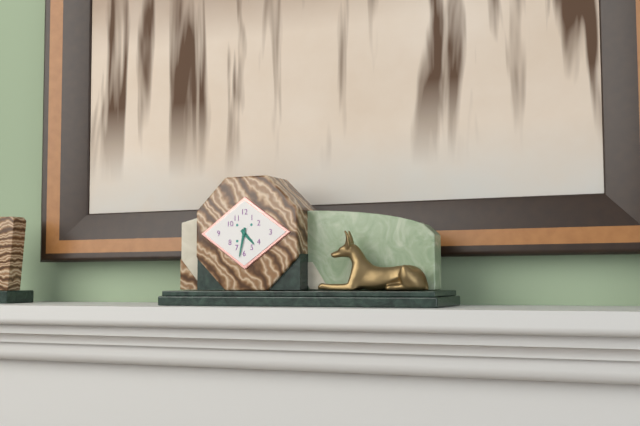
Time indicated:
4h32
